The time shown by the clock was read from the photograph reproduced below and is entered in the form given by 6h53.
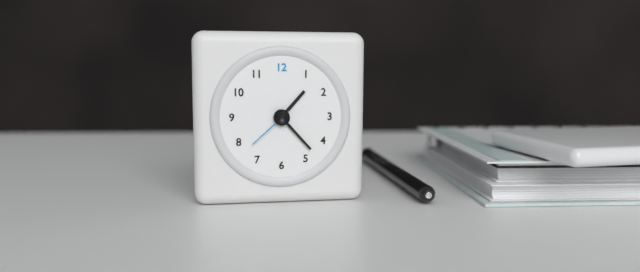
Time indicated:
1h23
